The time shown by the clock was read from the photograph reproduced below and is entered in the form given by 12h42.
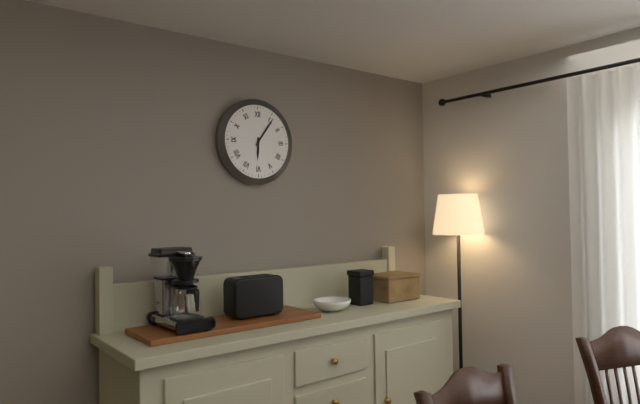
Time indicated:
6h06
